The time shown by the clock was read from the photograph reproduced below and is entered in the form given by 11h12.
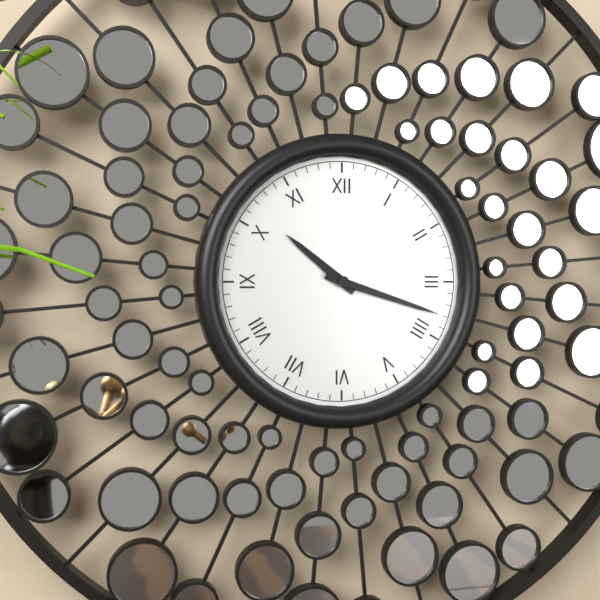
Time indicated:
10h18
